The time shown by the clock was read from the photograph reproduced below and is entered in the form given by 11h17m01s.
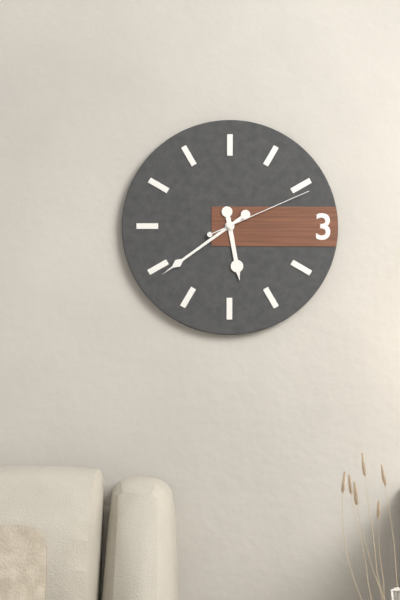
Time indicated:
5h39m11s
